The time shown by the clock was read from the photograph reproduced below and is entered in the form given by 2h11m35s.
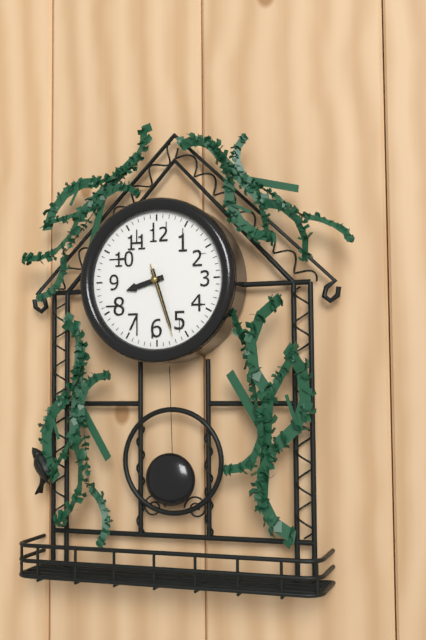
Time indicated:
8h27m27s
